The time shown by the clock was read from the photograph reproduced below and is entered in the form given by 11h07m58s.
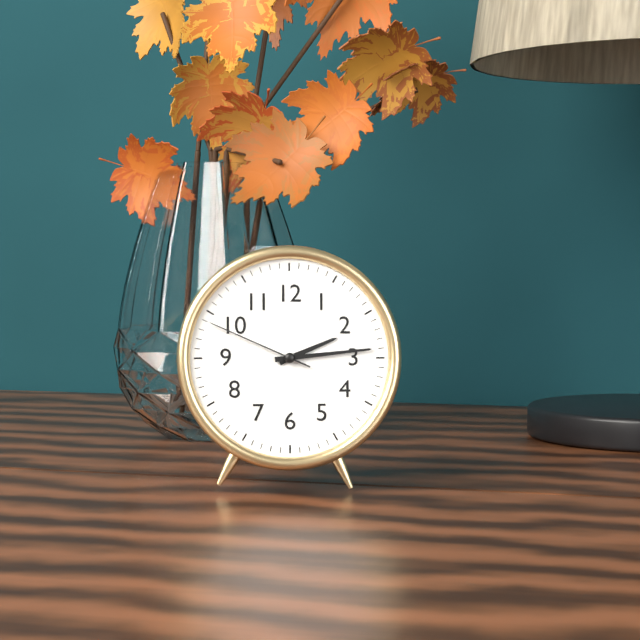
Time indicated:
2h14m49s
